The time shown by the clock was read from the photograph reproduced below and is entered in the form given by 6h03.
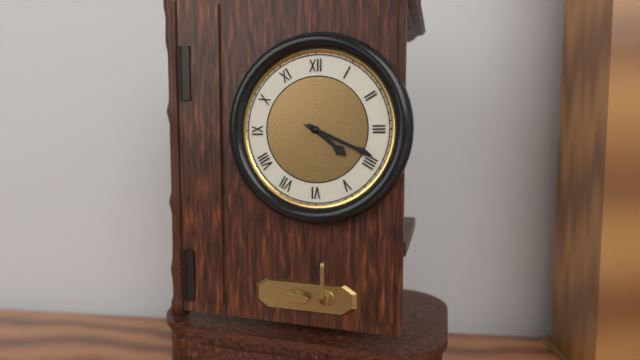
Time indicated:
4h19
